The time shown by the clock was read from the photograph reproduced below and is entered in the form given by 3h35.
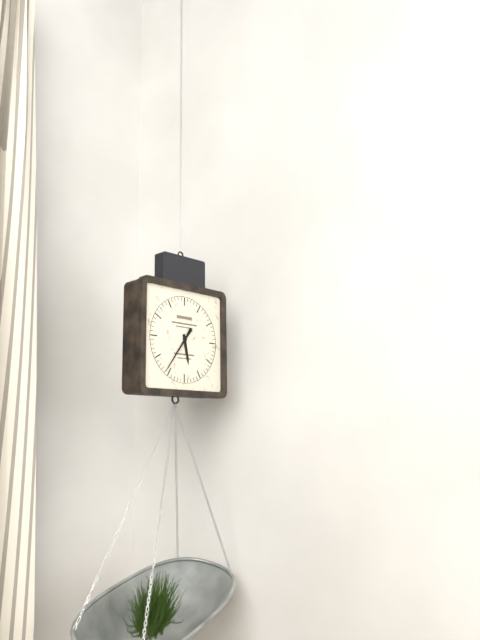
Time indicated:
5h36
